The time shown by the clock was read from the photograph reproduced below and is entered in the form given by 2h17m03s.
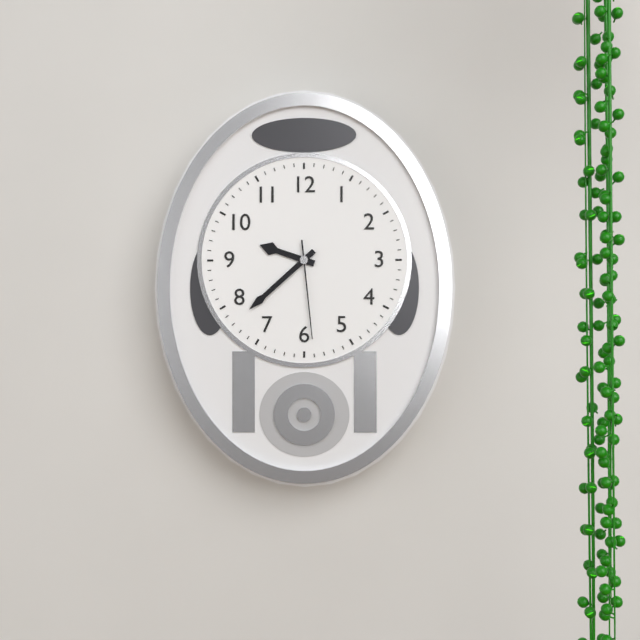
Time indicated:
9h38m29s
